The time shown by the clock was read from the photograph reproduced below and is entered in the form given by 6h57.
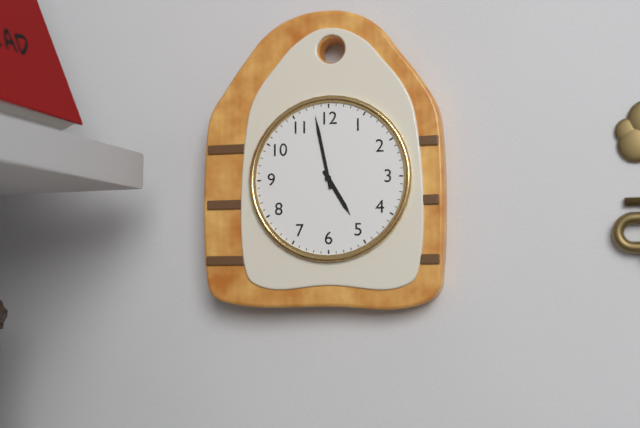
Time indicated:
4h58
